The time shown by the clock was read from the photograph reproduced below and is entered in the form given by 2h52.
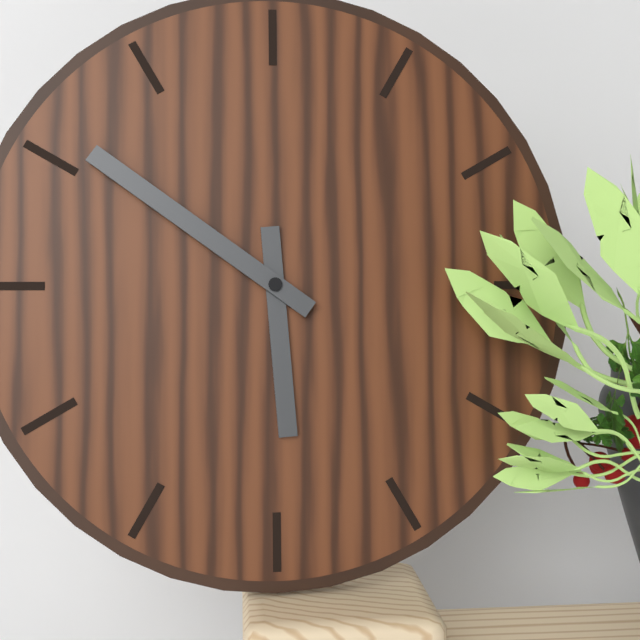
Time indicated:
5h51
